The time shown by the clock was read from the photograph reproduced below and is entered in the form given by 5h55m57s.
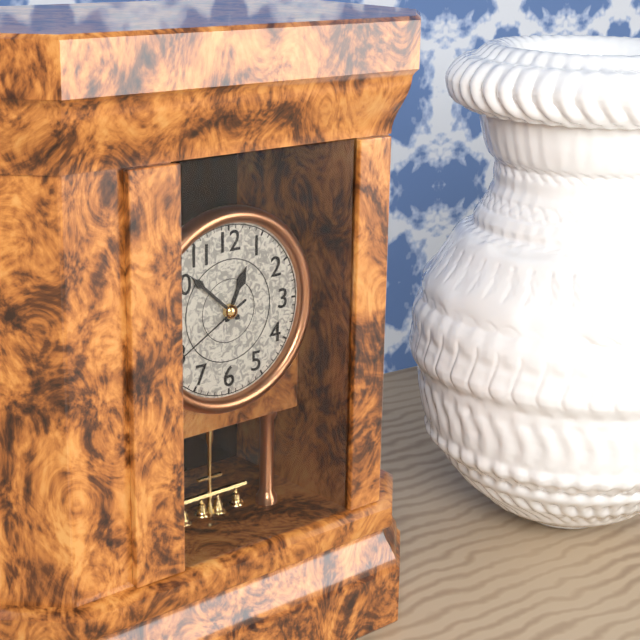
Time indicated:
12h52m40s
